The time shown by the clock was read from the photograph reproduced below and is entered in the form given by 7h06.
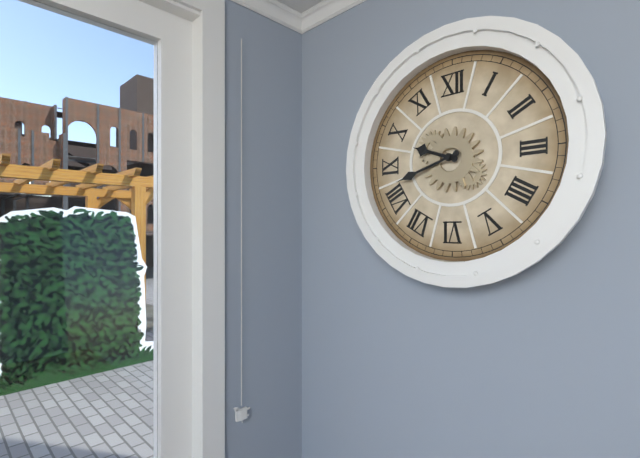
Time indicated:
9h42
